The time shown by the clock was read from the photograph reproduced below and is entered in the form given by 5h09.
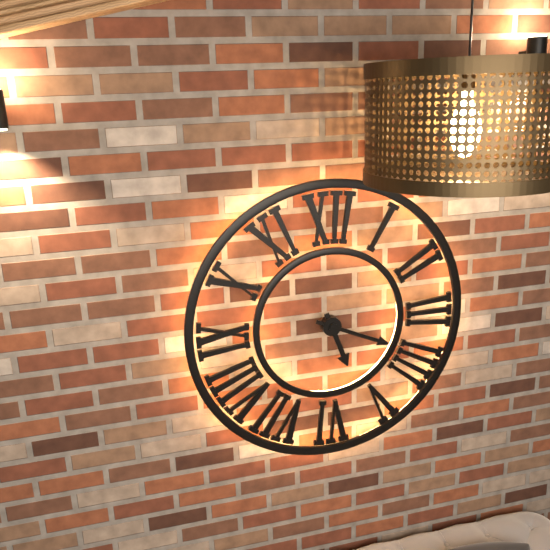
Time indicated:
5h19
